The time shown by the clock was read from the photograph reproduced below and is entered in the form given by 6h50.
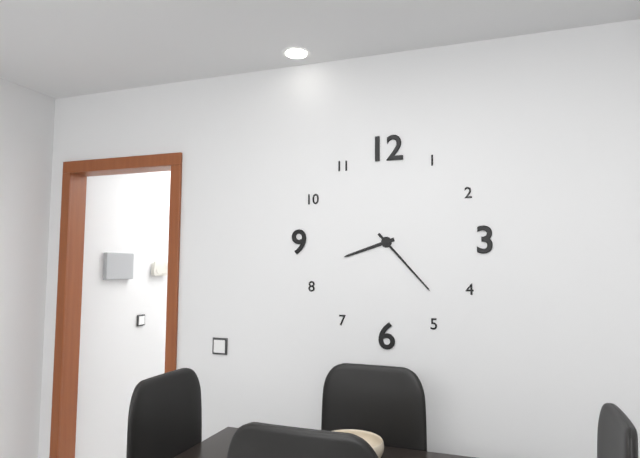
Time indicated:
8h23
